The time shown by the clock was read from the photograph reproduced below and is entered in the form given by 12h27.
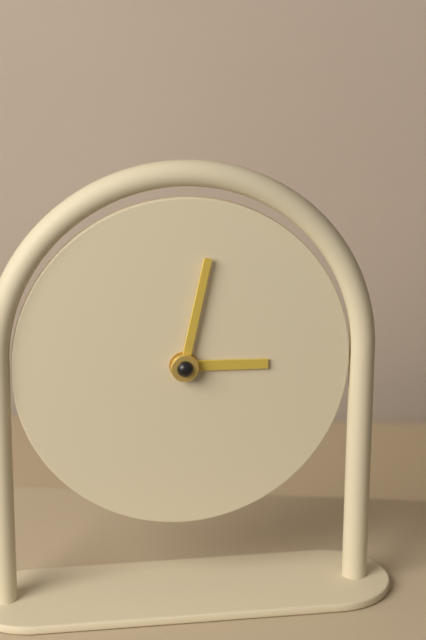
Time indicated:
3h02
